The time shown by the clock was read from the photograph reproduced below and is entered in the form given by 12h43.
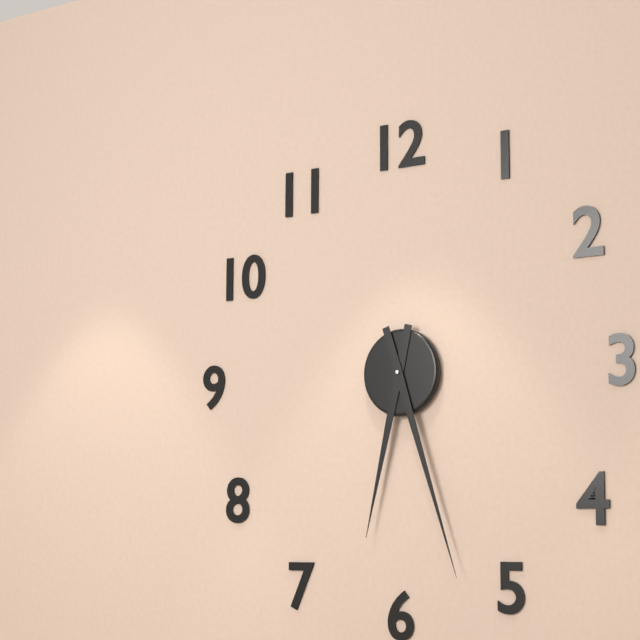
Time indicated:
6h27
